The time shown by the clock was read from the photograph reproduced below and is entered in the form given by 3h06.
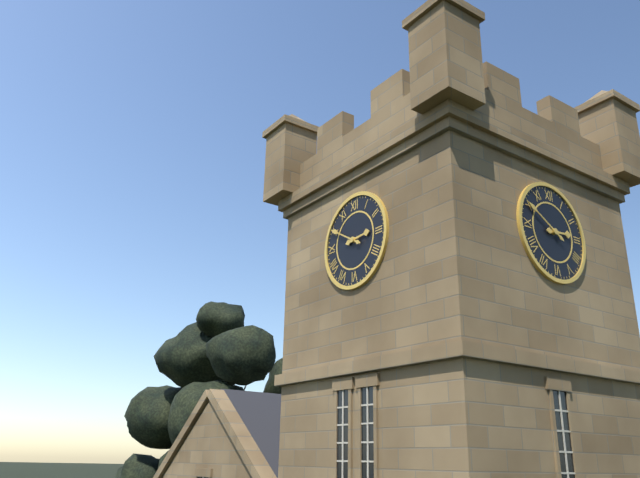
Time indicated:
2h50
